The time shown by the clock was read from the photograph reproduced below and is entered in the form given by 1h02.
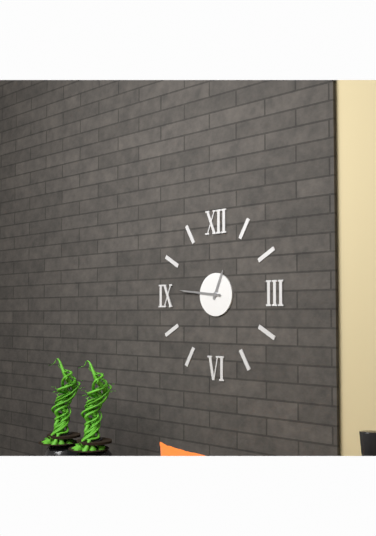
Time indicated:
12h46
